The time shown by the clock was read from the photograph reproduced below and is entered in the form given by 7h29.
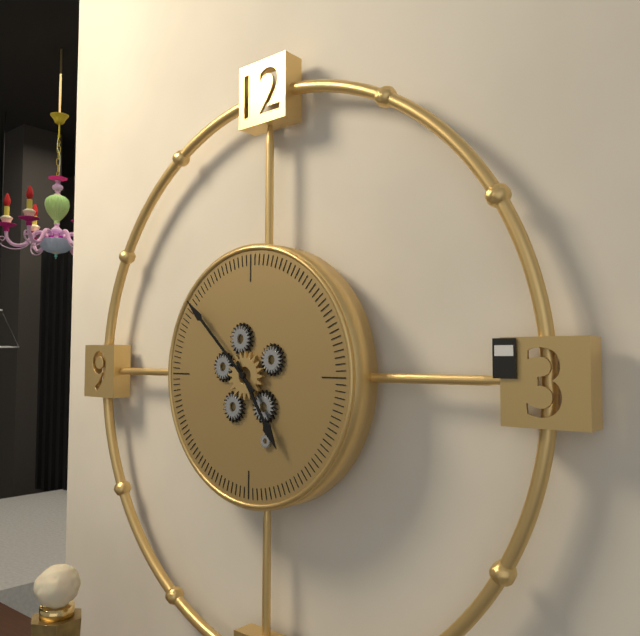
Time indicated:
4h52
